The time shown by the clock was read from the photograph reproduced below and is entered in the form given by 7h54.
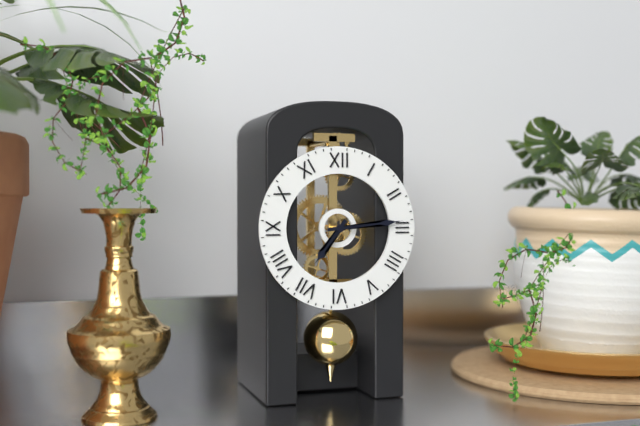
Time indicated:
7h14
